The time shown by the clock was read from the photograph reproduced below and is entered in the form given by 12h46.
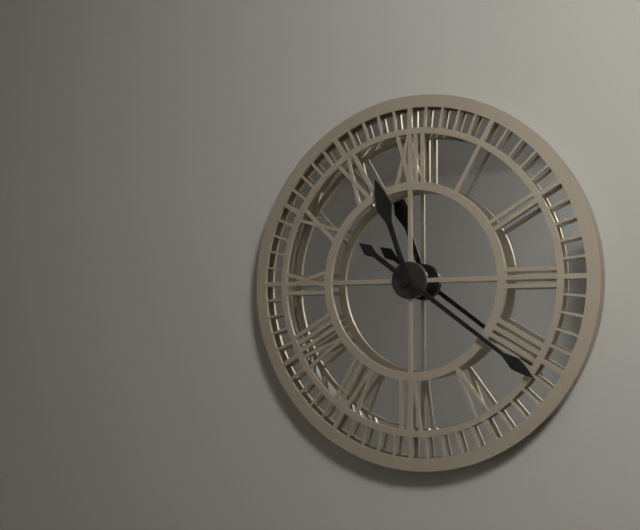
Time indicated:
11h21
